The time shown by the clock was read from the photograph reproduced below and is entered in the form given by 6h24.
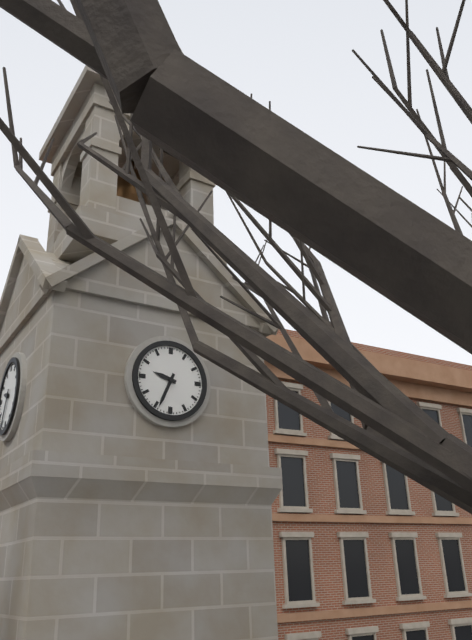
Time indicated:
9h34
